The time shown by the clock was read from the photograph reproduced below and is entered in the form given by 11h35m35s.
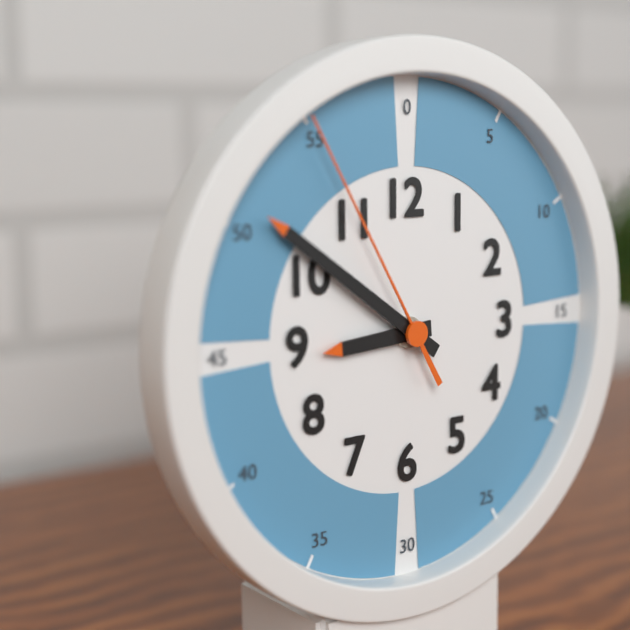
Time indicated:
8h51m55s
